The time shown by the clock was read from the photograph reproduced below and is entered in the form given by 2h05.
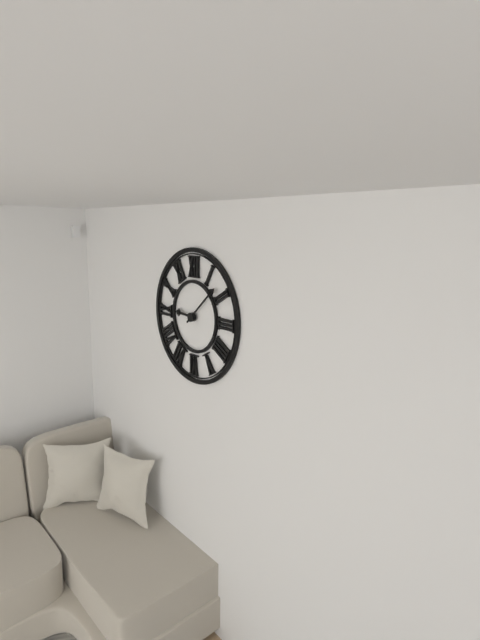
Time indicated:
9h08
